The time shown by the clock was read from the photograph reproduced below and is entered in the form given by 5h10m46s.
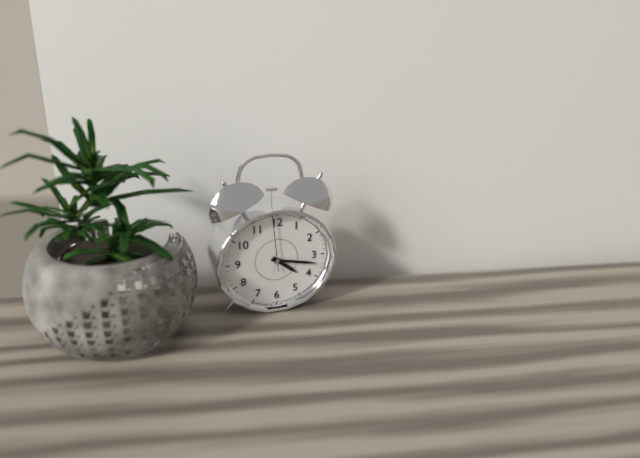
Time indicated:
4h17m59s
